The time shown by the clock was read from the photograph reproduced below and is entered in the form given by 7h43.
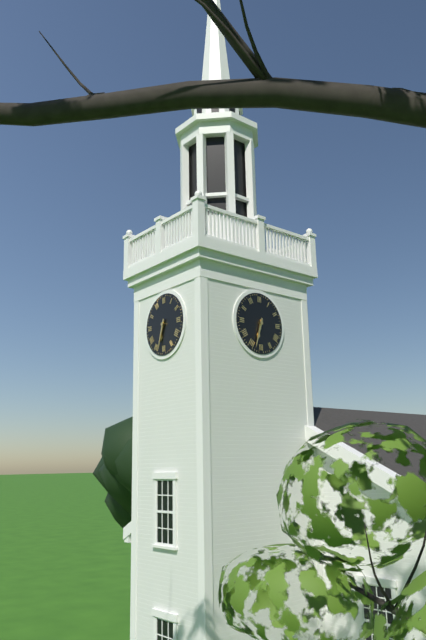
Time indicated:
6h33
